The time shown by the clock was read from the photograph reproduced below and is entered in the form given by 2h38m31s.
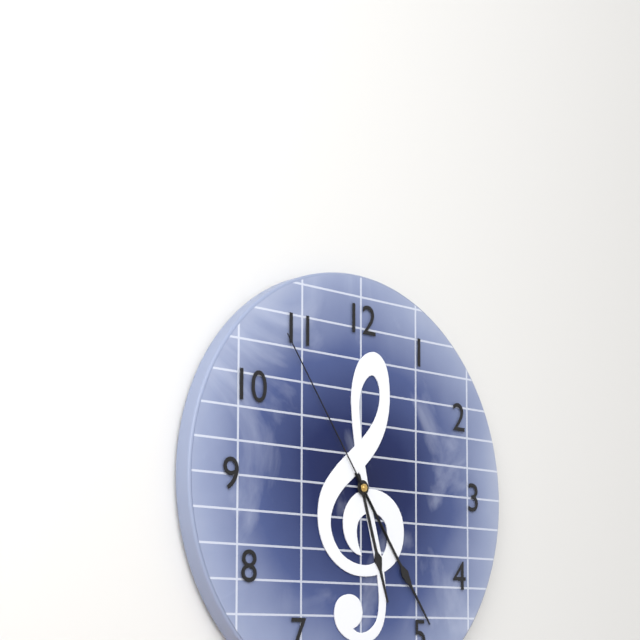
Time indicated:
5h24m54s
